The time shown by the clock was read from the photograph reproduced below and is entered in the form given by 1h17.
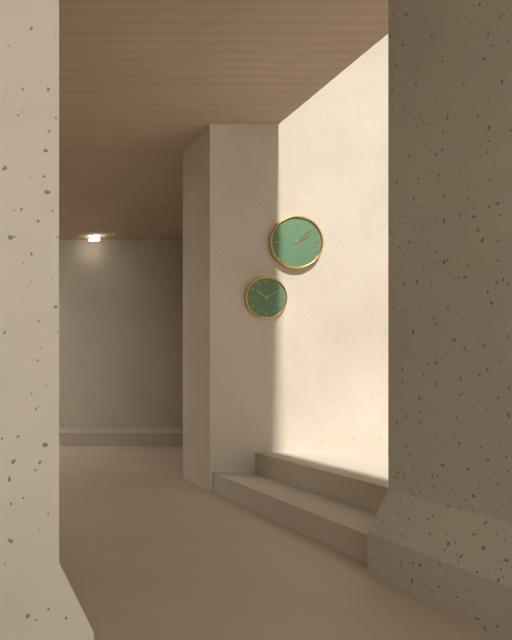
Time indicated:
2h08
